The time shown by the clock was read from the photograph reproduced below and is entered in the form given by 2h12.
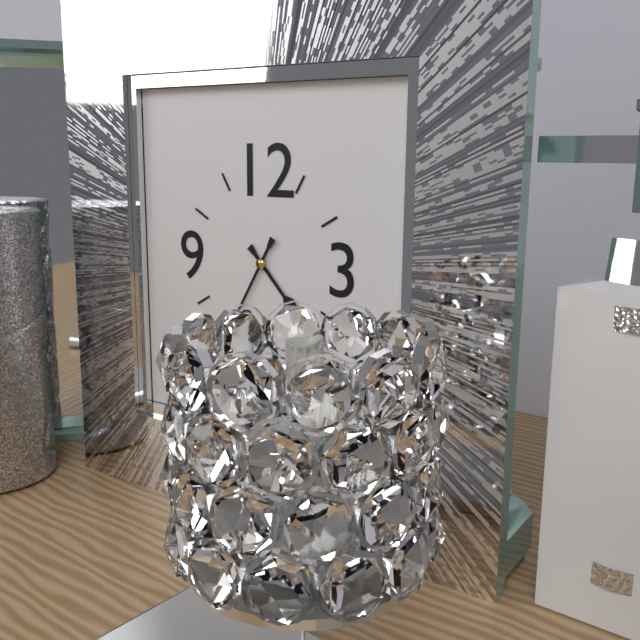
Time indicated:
4h35
